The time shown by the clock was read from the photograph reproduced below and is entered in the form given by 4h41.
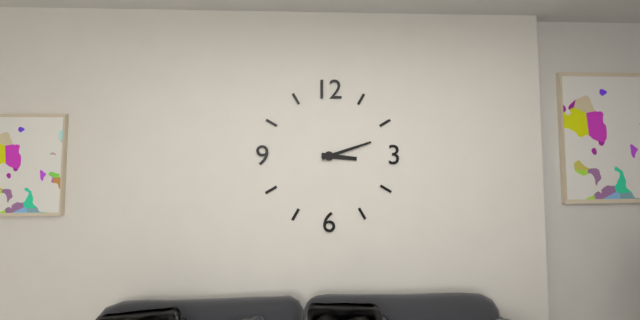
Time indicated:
3h12
